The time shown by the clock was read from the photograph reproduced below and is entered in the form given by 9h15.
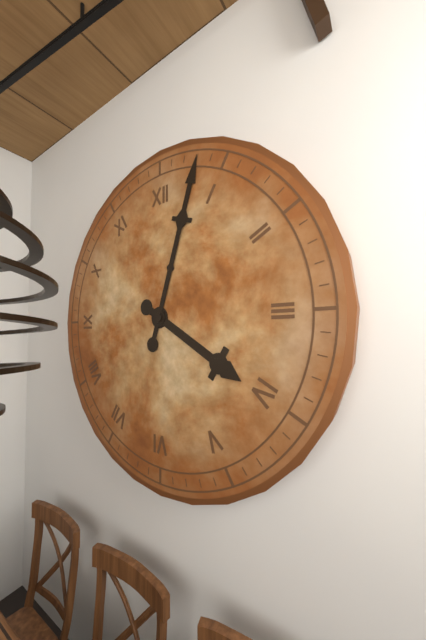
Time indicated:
4h03
